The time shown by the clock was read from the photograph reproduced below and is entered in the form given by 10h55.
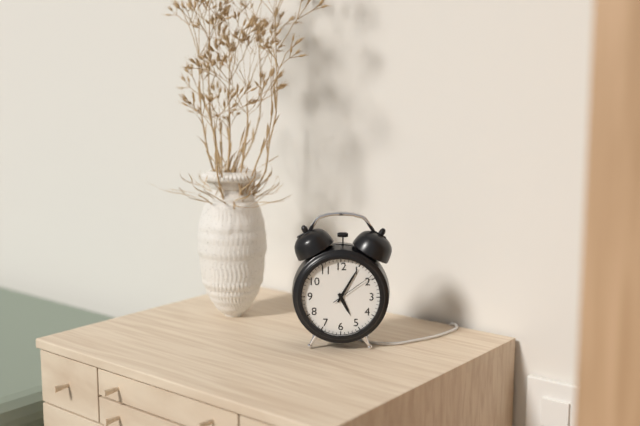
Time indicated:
5h05
